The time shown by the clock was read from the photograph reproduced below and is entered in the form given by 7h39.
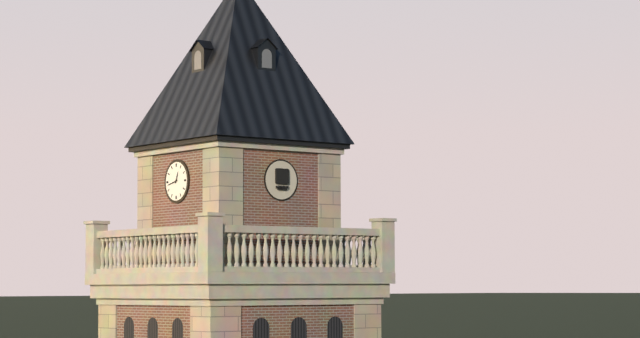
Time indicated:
12h43
